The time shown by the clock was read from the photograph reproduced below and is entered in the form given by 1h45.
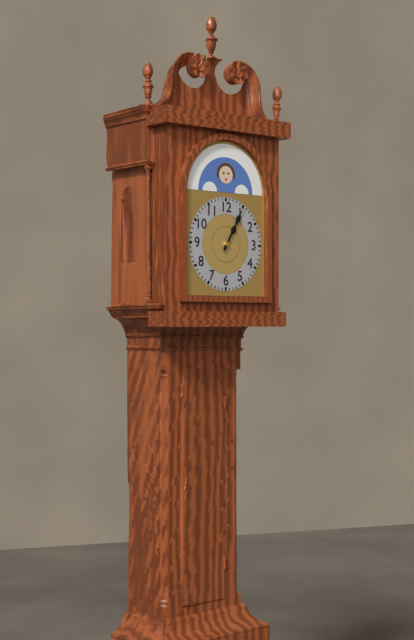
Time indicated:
1h05
